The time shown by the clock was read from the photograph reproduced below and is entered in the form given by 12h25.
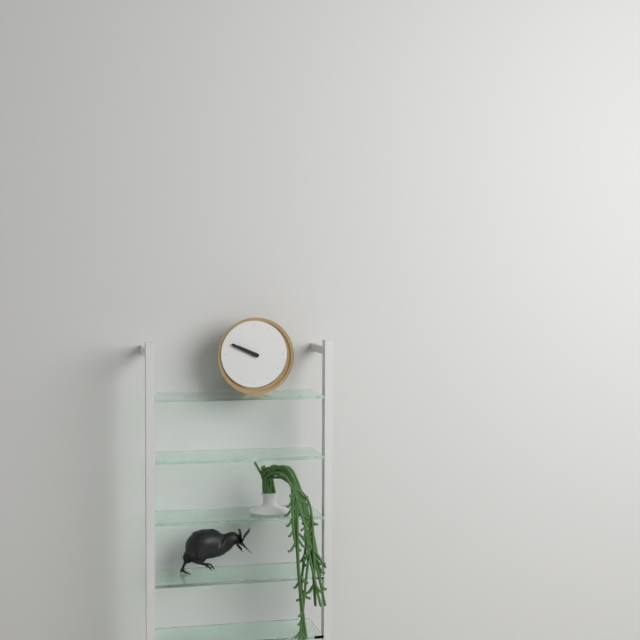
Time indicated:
9h49
